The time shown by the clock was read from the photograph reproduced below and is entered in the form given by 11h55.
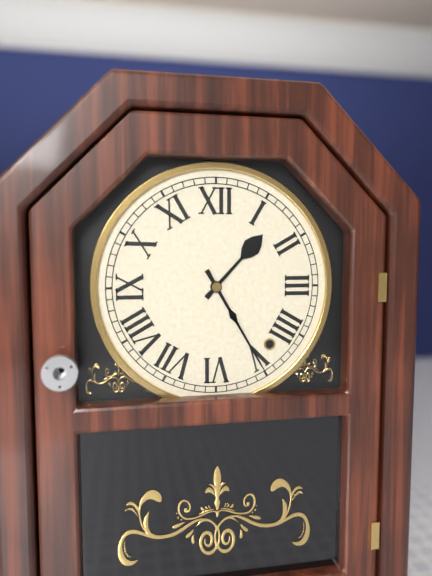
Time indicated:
1h25
